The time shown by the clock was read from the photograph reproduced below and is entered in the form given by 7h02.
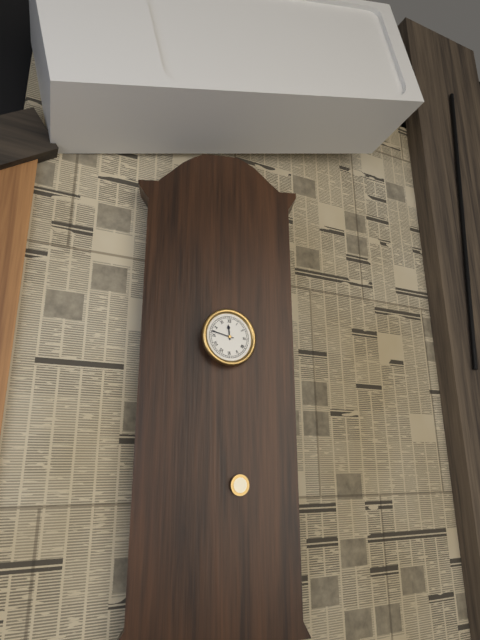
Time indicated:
11h47
